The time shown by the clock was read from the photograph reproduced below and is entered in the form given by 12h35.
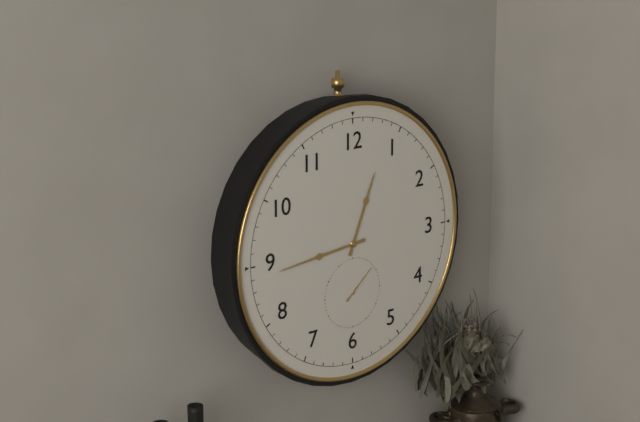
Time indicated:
12h44
